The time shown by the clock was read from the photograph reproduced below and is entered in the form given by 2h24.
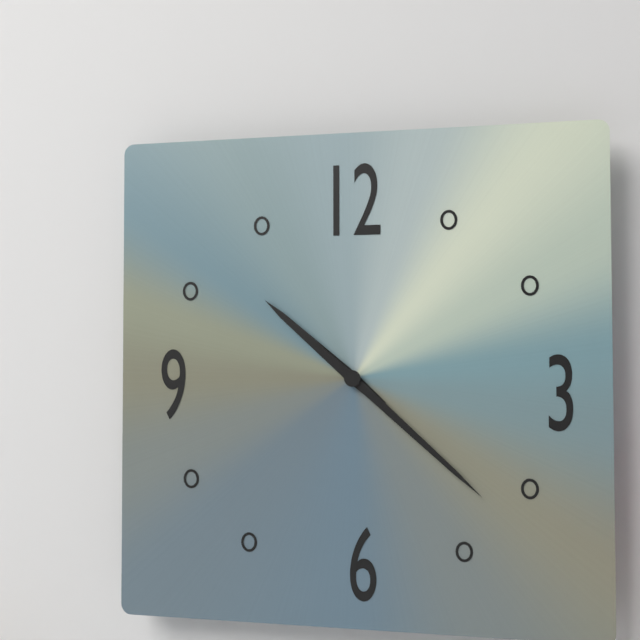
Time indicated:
10h22
